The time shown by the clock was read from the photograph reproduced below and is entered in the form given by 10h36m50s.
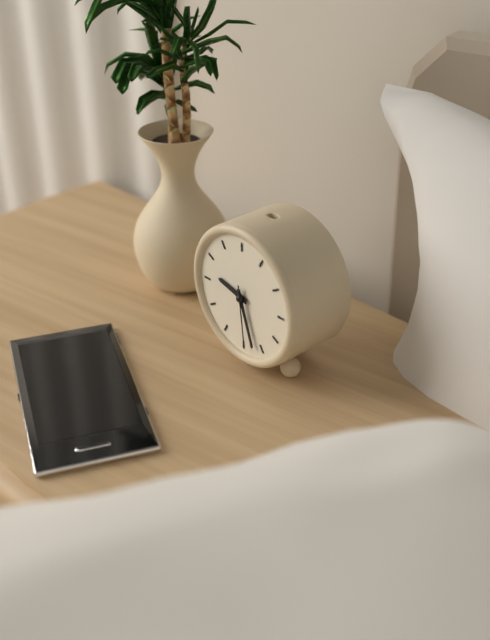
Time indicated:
9h27m29s
